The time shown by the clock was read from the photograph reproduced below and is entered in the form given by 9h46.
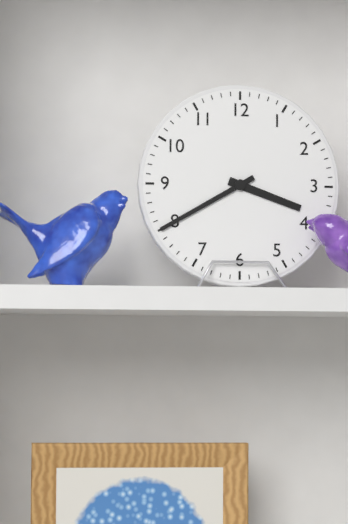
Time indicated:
3h40
